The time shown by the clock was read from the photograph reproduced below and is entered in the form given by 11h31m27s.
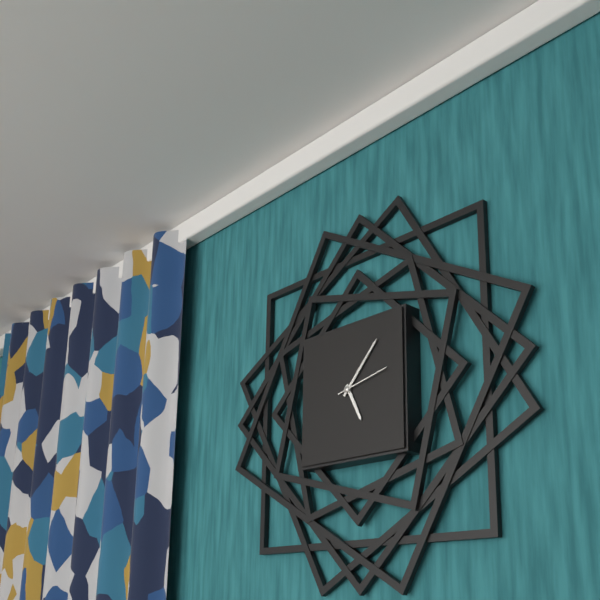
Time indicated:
5h07m13s
